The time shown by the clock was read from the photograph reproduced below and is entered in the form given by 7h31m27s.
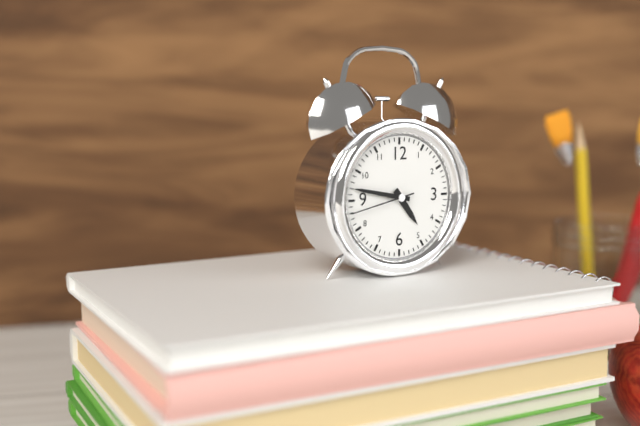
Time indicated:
4h47m43s
